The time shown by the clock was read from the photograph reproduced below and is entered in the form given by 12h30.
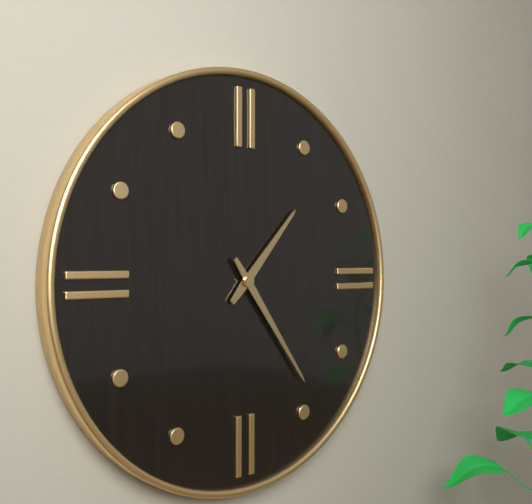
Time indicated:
1h24
